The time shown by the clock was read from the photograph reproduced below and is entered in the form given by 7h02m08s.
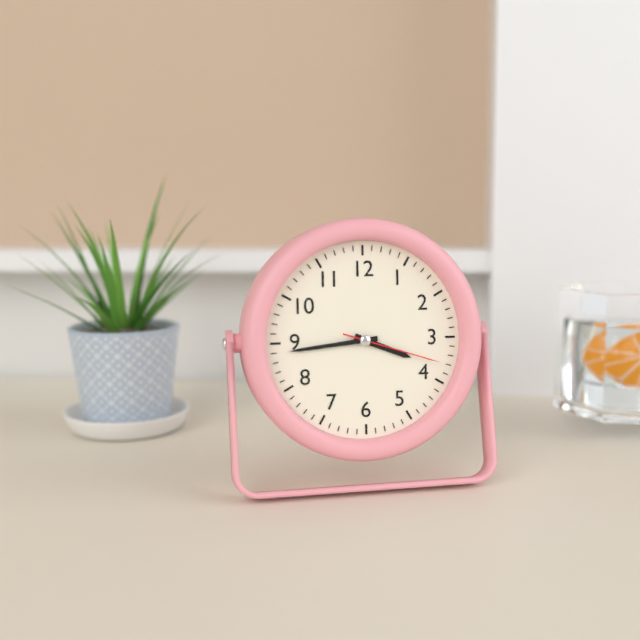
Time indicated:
3h44m18s
